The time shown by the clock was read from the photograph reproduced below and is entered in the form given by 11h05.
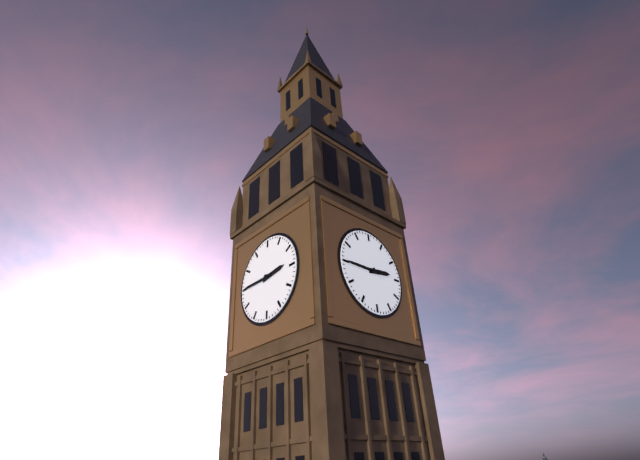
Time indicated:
2h45
